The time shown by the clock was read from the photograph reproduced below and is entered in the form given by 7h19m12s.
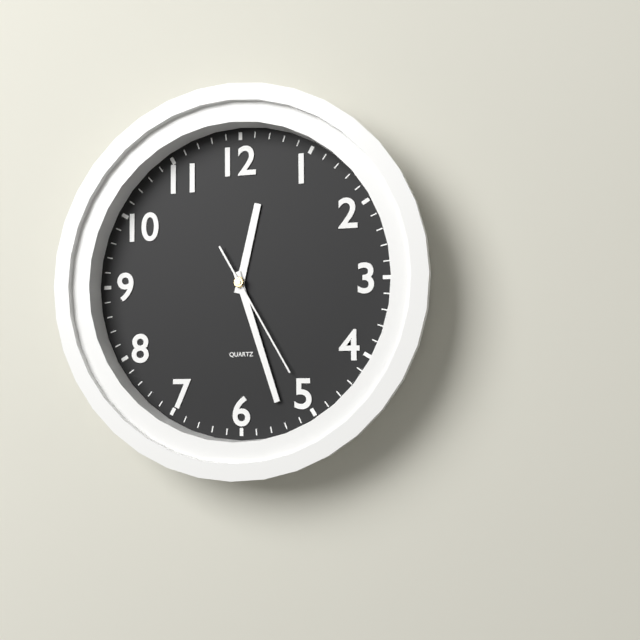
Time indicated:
12h27m25s
